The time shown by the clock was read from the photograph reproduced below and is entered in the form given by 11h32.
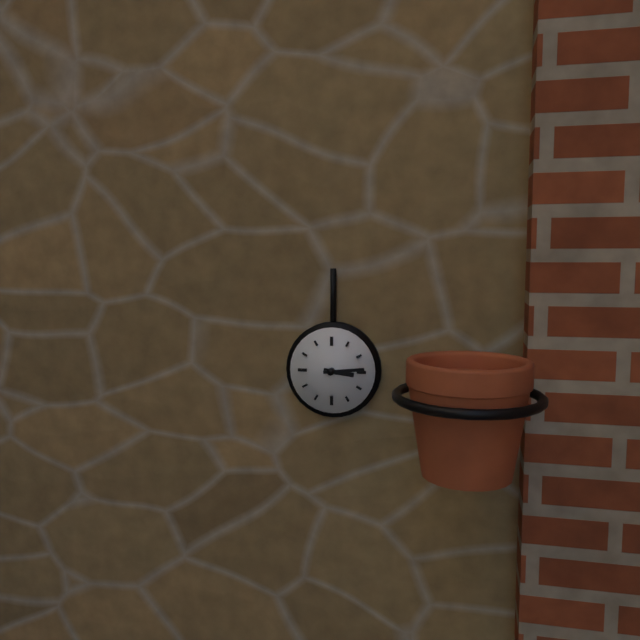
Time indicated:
3h14
